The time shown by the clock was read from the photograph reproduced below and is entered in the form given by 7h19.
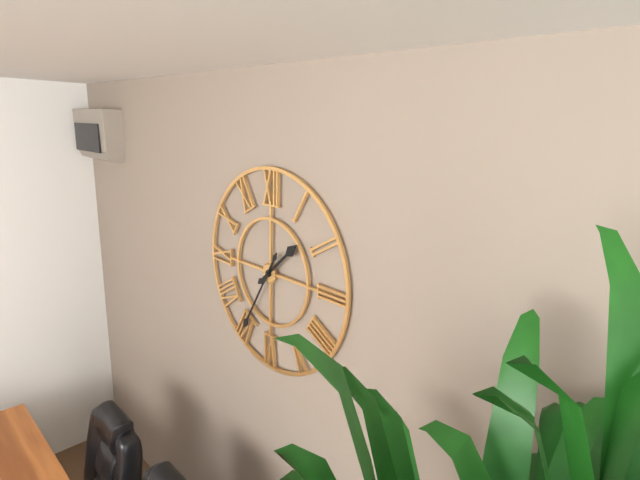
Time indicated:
1h35
